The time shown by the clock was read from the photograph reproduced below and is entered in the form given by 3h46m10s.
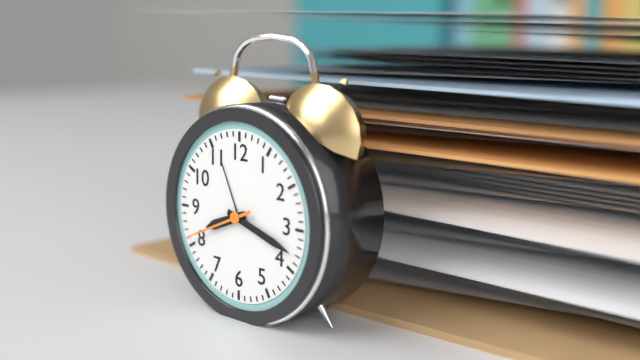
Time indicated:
8h18m41s
